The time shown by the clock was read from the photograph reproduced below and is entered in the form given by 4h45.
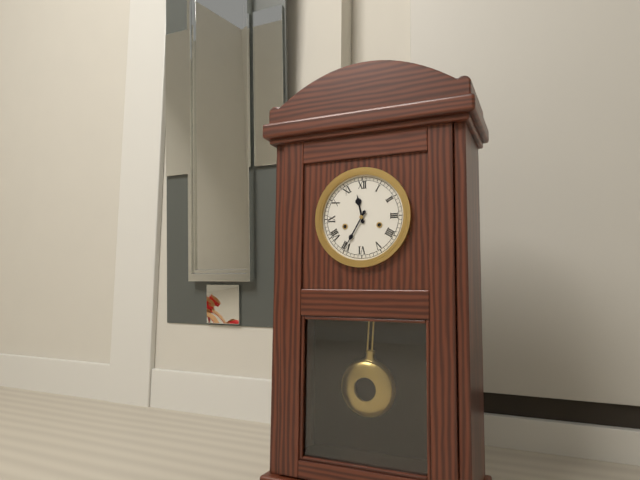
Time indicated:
11h35
